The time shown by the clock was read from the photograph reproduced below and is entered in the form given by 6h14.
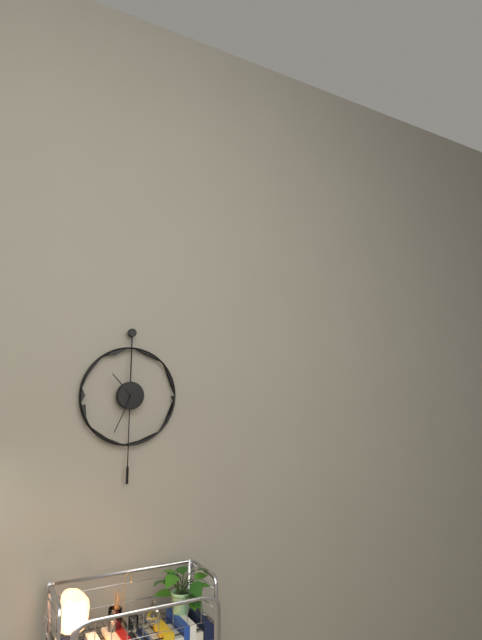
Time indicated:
10h34
